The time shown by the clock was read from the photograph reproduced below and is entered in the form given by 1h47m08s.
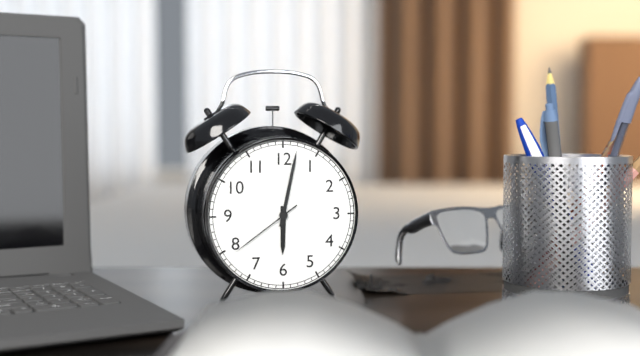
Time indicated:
6h02m39s
